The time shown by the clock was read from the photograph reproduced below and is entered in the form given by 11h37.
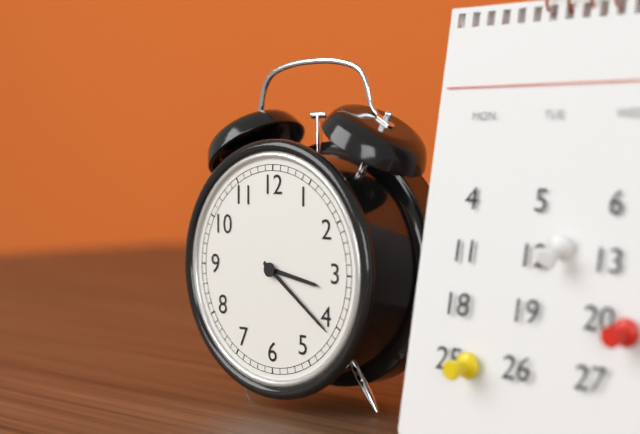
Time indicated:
3h21
